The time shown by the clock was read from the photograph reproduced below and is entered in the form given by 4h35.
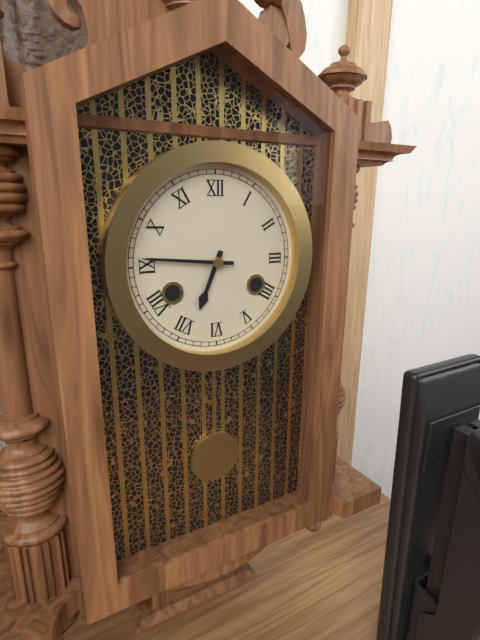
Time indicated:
6h46
